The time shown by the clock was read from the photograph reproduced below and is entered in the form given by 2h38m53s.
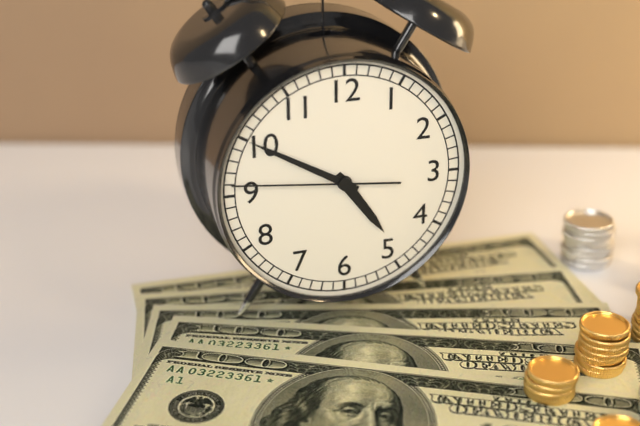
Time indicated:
4h50m46s
